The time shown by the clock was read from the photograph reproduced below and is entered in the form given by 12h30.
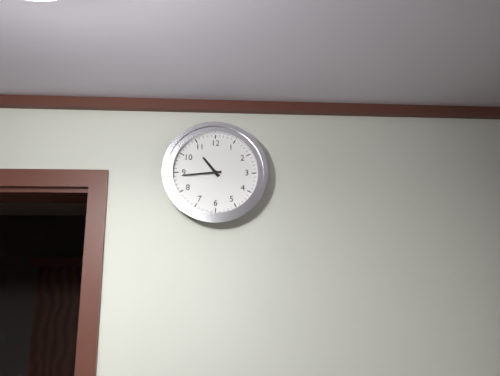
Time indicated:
10h44
